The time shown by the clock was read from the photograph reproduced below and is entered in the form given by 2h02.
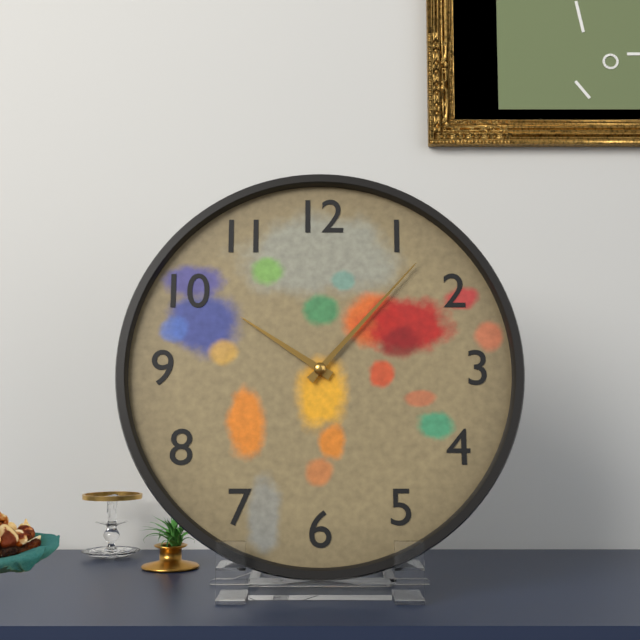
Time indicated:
10h07
